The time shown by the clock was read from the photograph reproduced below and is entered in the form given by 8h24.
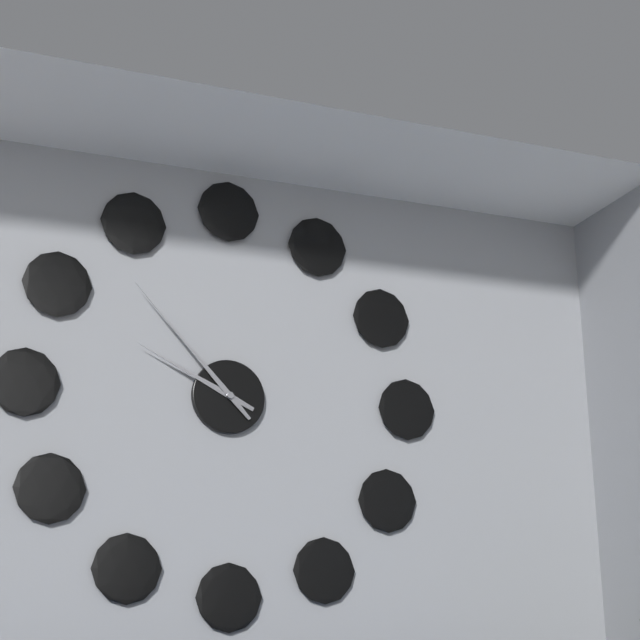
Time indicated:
9h53
